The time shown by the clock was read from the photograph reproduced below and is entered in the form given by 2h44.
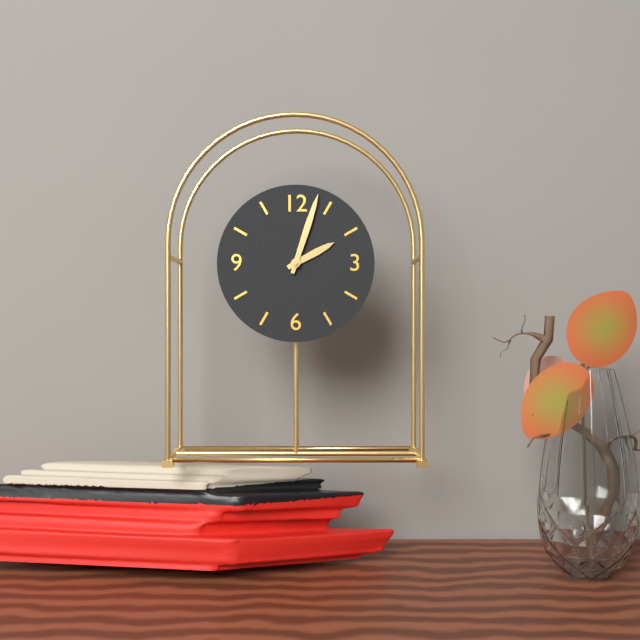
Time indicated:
2h03
